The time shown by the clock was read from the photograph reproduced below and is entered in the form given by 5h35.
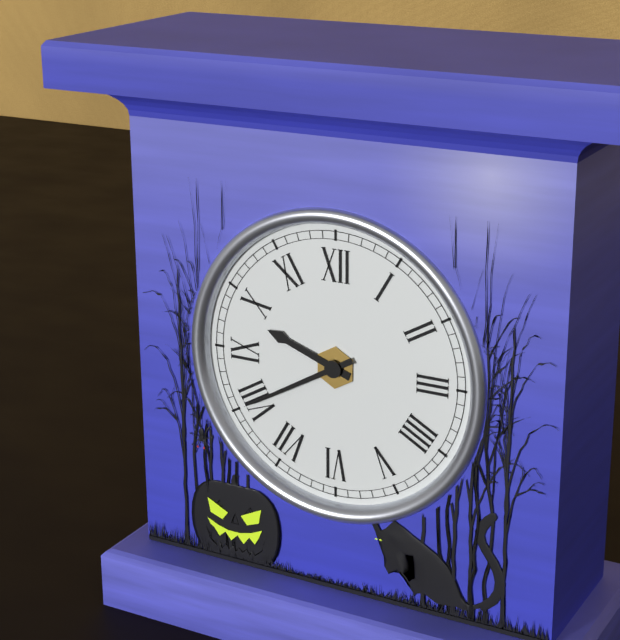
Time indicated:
9h40
